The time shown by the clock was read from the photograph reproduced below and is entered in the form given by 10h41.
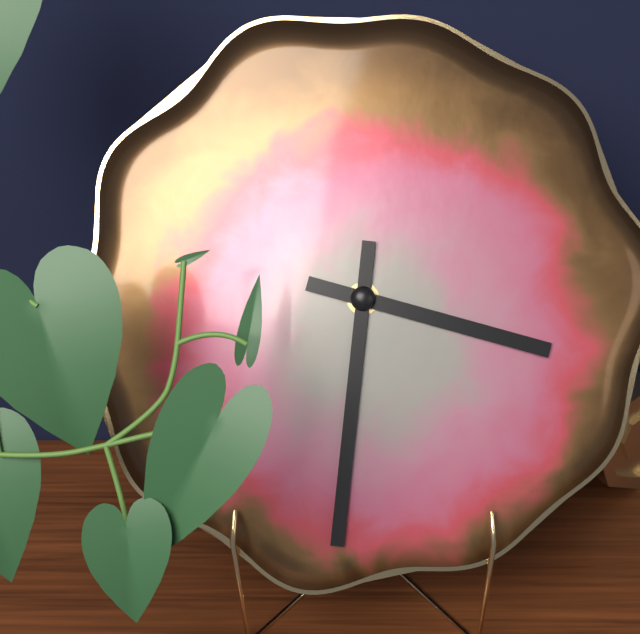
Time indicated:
3h31
